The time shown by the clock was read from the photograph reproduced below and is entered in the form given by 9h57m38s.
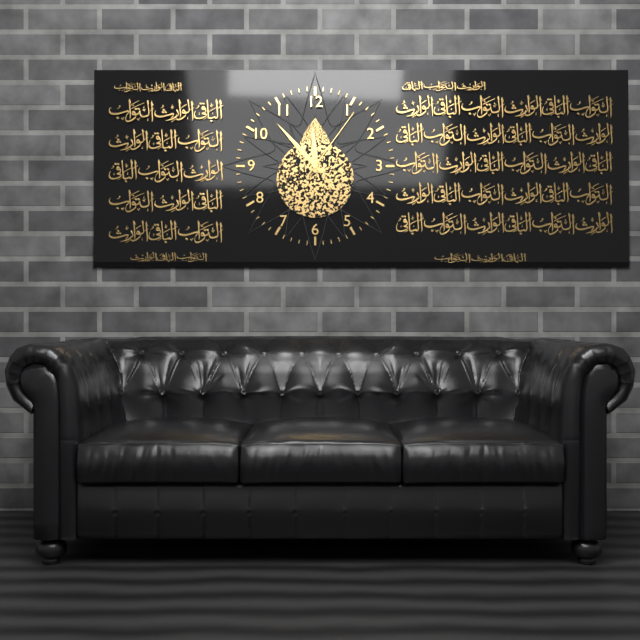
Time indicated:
11h53m06s
